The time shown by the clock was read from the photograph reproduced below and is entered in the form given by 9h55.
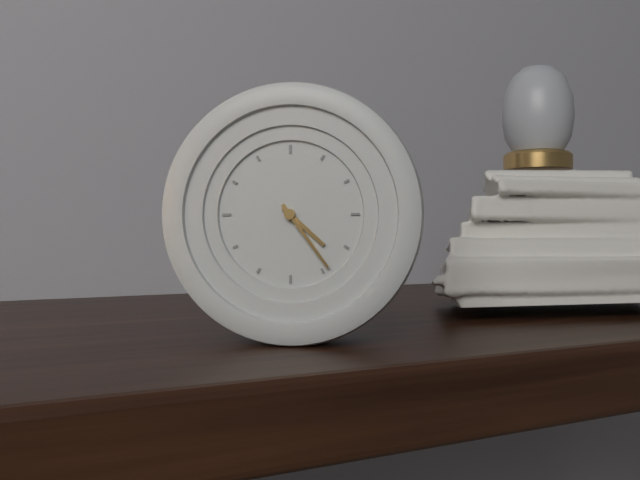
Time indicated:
4h24
